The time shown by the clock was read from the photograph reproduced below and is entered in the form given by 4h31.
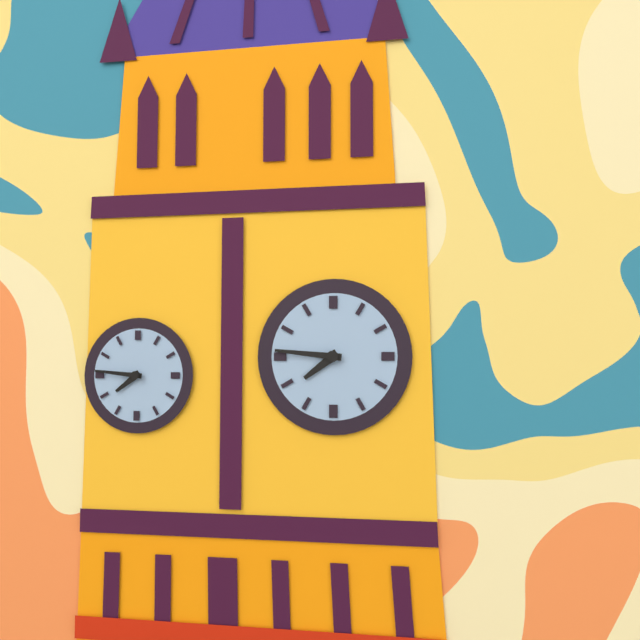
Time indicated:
7h46
